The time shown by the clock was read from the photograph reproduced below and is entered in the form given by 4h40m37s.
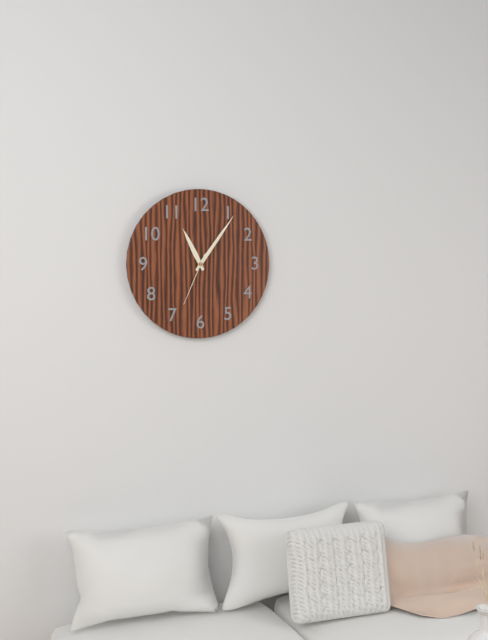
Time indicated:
11h06m34s
